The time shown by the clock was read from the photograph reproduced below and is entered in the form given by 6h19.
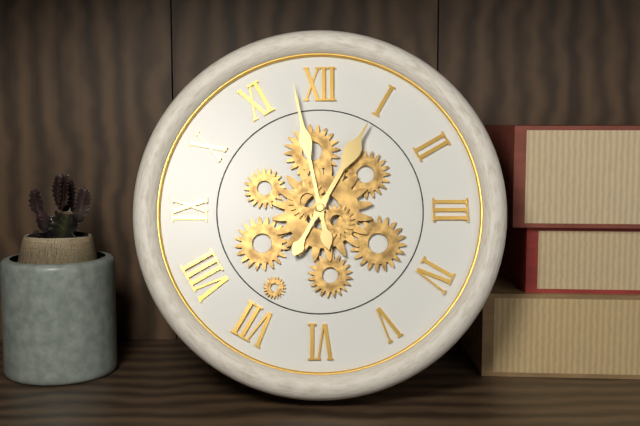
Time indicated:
12h58
